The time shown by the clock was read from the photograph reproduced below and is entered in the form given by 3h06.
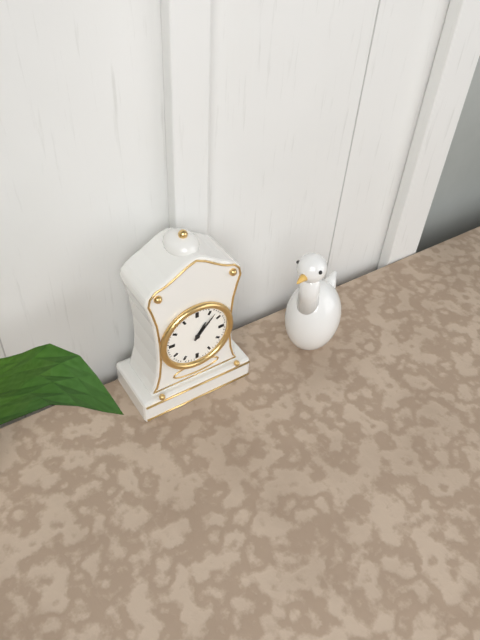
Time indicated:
1h07
